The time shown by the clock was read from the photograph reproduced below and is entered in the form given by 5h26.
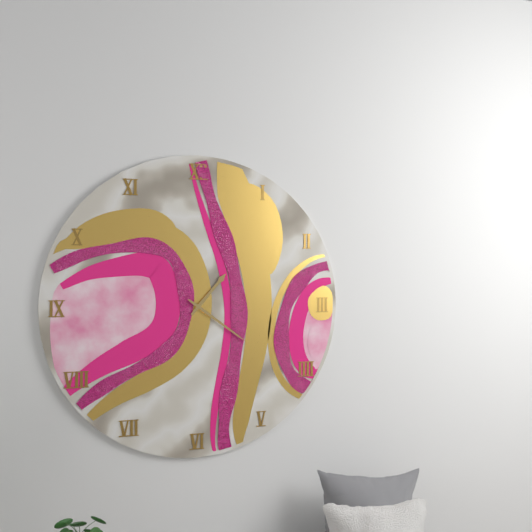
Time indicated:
1h21
